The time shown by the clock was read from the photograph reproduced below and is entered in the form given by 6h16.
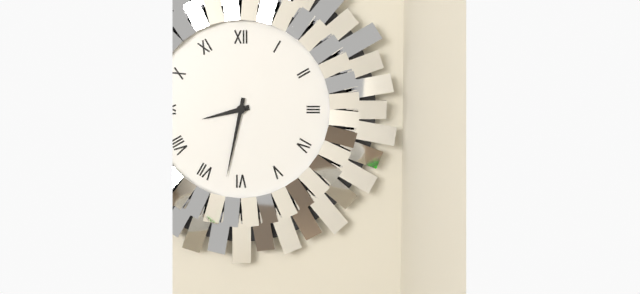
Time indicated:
8h32
